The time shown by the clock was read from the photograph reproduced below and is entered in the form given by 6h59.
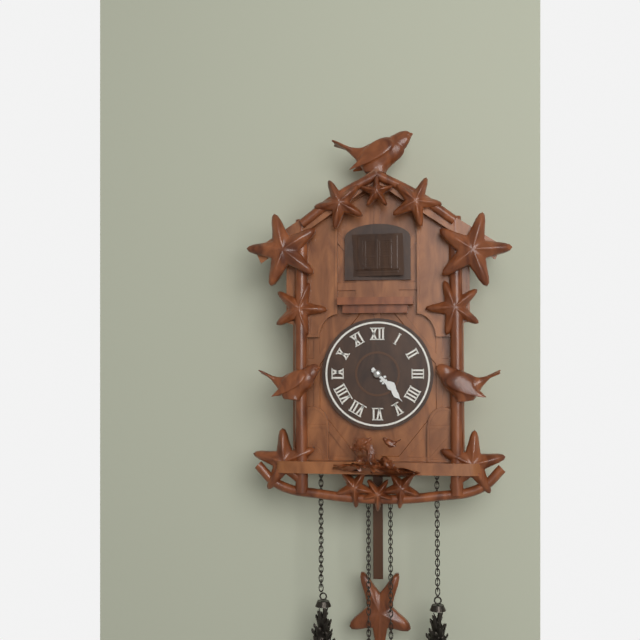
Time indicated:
4h23
